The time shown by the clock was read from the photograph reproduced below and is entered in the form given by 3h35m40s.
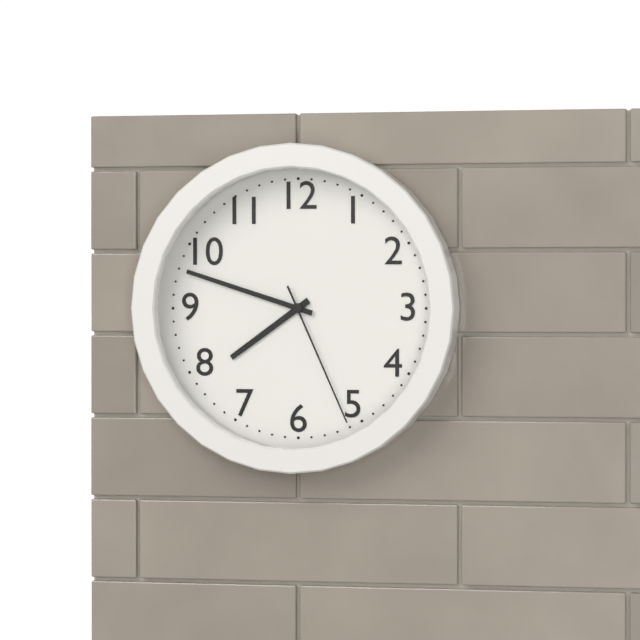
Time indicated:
7h48m26s
